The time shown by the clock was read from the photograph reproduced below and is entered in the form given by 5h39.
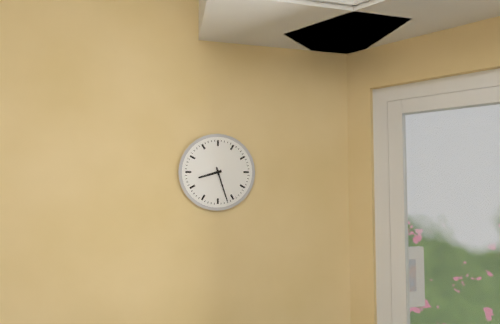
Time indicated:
8h27
